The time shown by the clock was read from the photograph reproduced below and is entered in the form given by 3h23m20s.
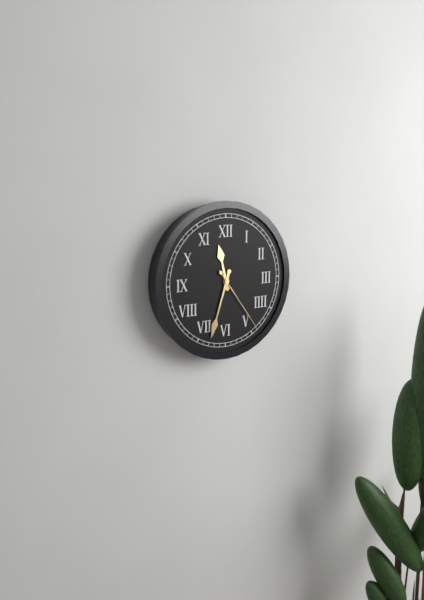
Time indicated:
11h33m24s
